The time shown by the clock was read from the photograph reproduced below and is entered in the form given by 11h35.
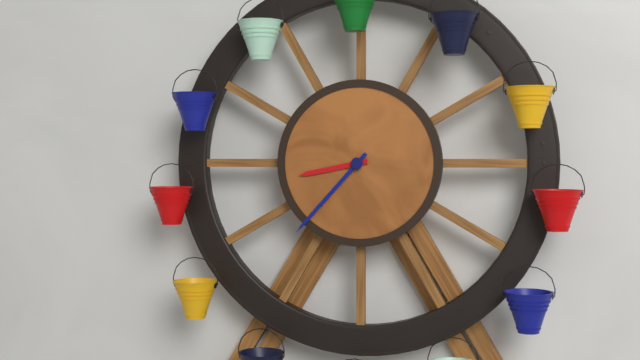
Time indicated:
8h37
